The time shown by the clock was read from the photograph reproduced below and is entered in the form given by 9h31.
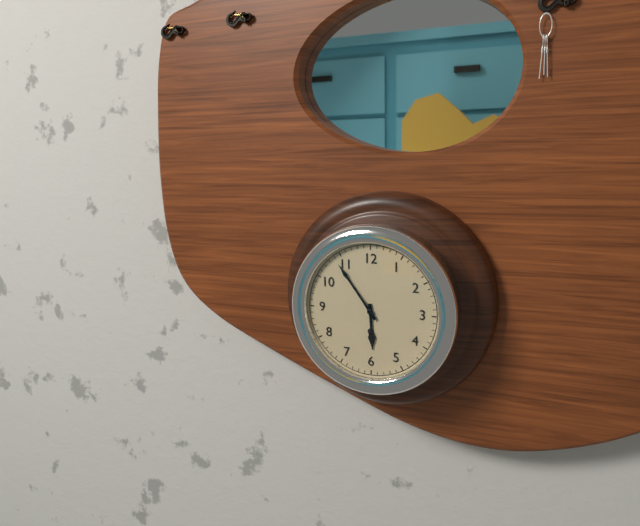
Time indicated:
5h54
